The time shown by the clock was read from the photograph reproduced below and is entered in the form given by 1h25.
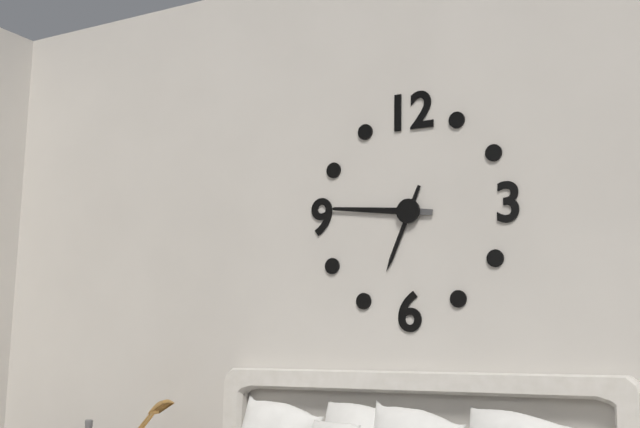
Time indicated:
6h46
